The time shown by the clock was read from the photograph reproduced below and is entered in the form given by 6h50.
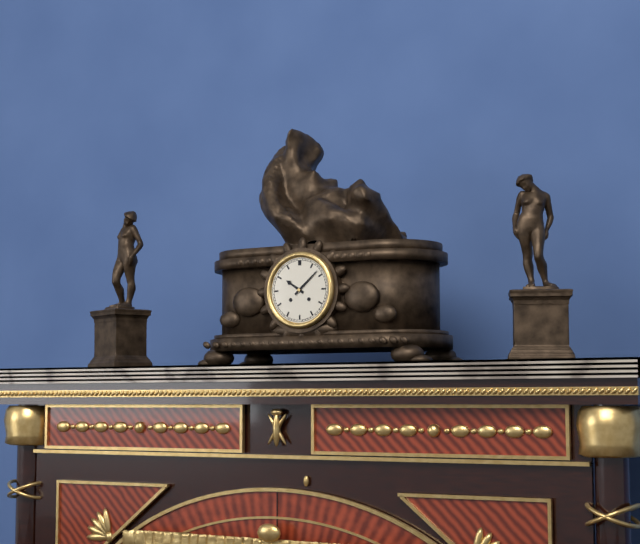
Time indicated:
10h08
